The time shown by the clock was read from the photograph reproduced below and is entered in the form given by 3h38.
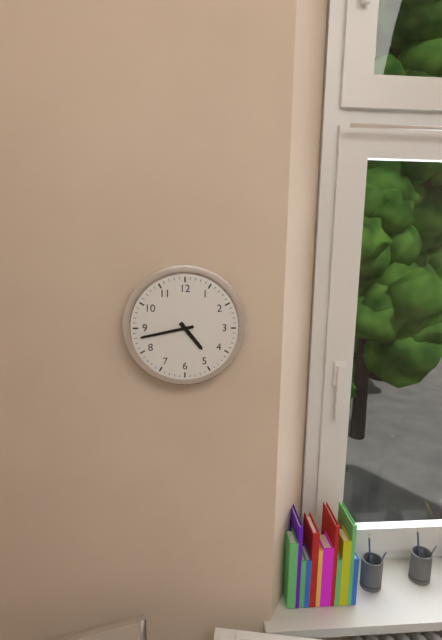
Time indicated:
4h43
